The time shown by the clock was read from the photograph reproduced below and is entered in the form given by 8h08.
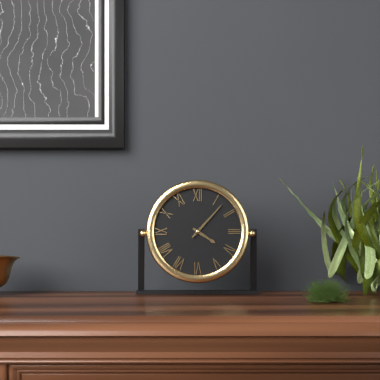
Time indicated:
4h07
